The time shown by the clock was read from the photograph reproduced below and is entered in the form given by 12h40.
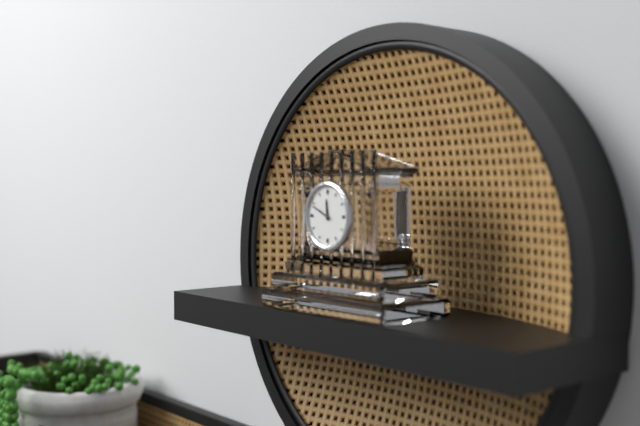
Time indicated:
11h49
